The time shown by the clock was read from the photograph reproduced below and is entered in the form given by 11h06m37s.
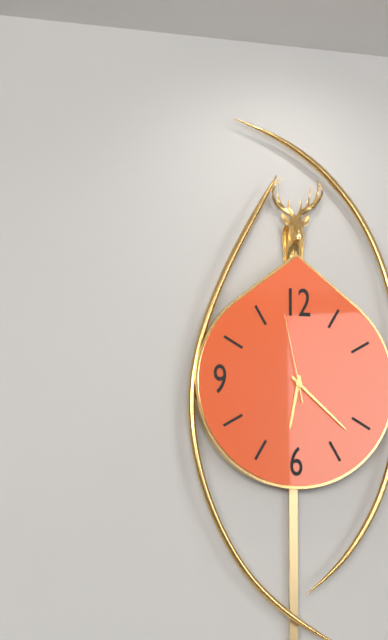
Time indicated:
6h22m58s
